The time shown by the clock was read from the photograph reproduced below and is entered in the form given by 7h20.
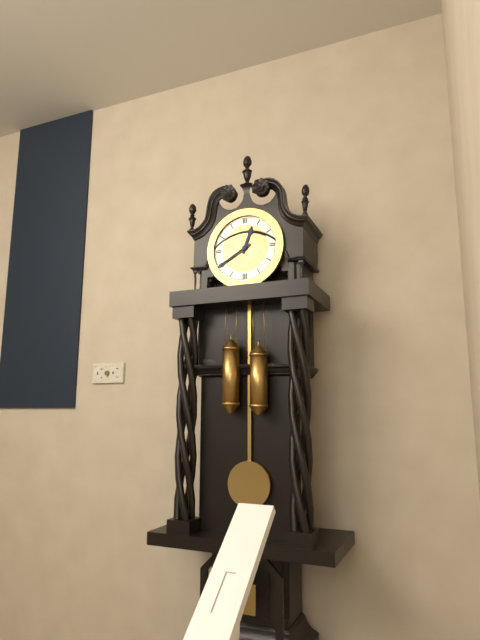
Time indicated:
12h40
